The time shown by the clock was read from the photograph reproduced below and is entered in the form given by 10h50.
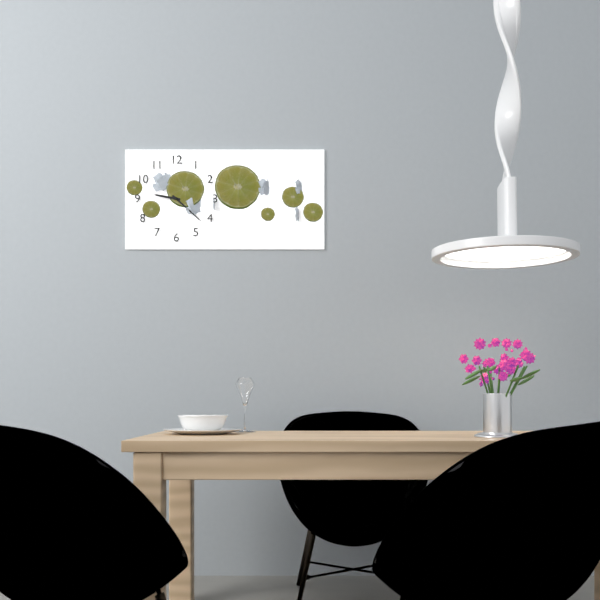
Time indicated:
9h22
